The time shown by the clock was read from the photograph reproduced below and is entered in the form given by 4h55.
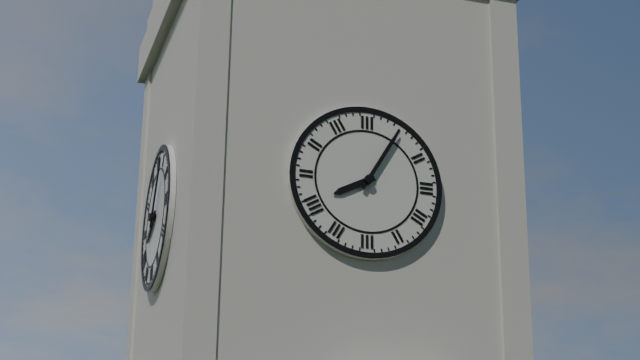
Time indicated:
8h05
